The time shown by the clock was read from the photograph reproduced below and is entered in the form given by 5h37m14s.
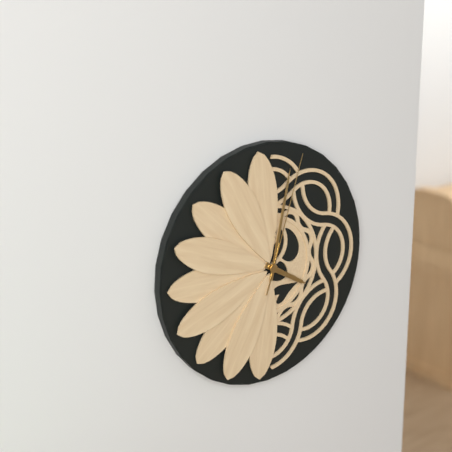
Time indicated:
4h02m03s
